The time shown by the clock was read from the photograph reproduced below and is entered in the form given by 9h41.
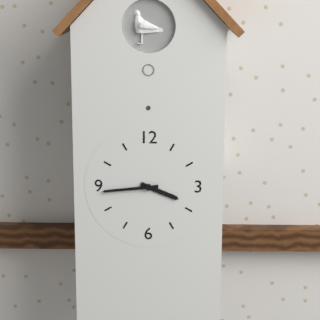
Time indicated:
3h44
